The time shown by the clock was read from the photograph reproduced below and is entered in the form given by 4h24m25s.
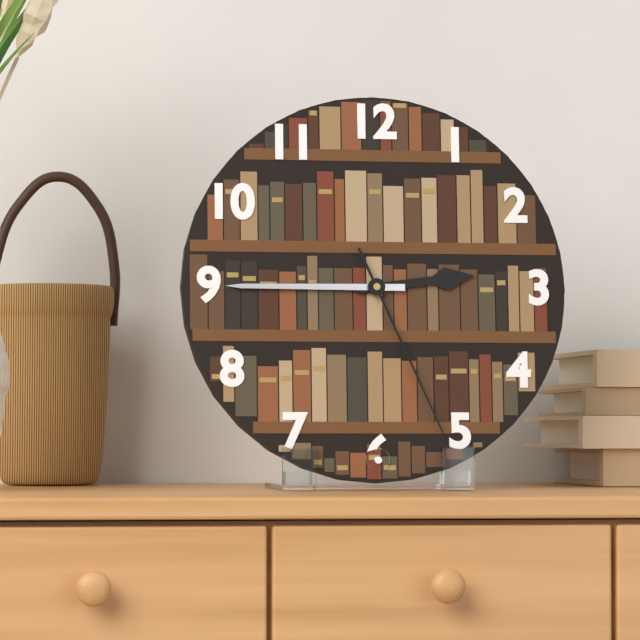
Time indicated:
2h45m26s
